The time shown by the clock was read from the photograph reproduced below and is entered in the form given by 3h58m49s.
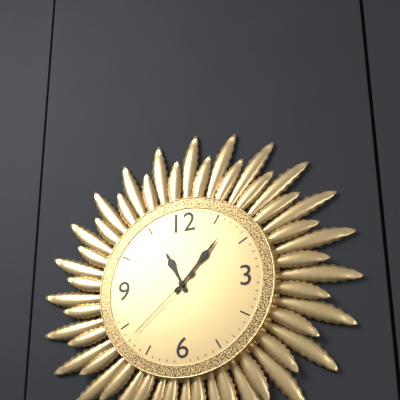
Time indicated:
11h07m38s
